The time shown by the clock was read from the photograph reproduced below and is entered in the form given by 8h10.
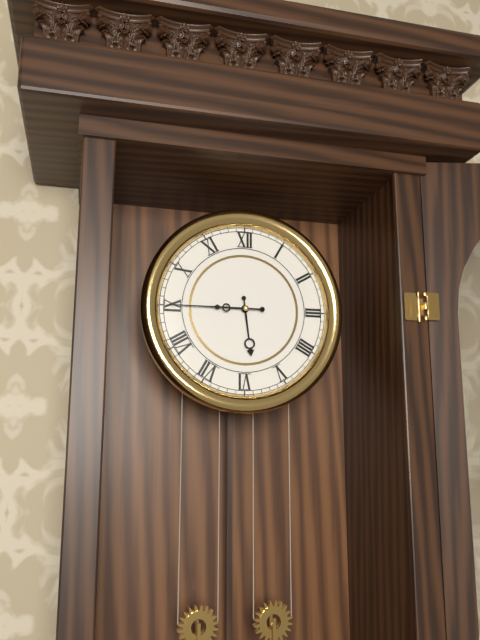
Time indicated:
5h45
